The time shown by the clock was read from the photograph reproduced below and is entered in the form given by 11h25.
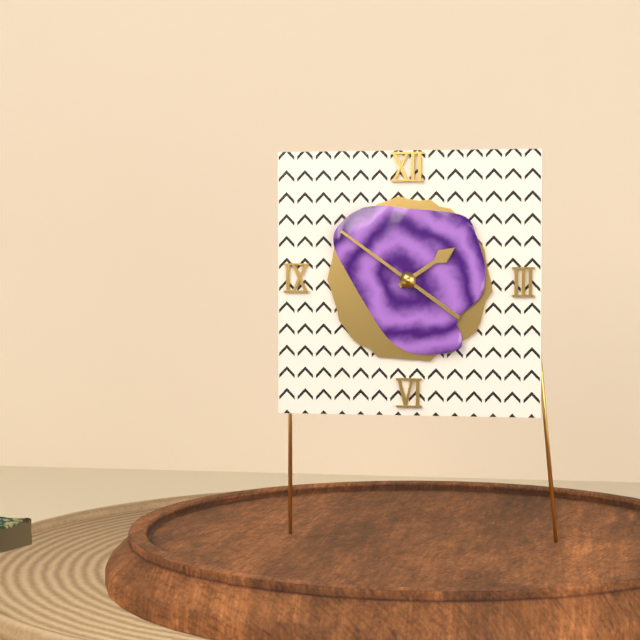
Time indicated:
1h51
